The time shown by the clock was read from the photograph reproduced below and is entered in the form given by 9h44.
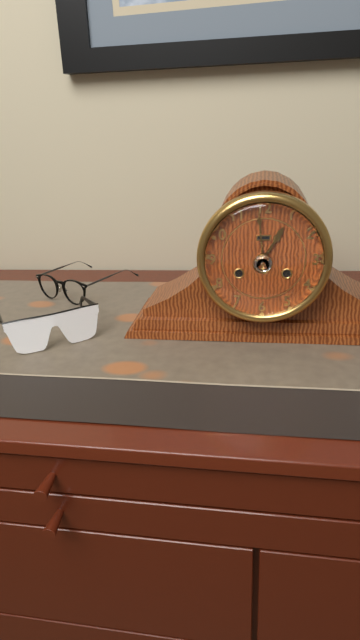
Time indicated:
12h59
